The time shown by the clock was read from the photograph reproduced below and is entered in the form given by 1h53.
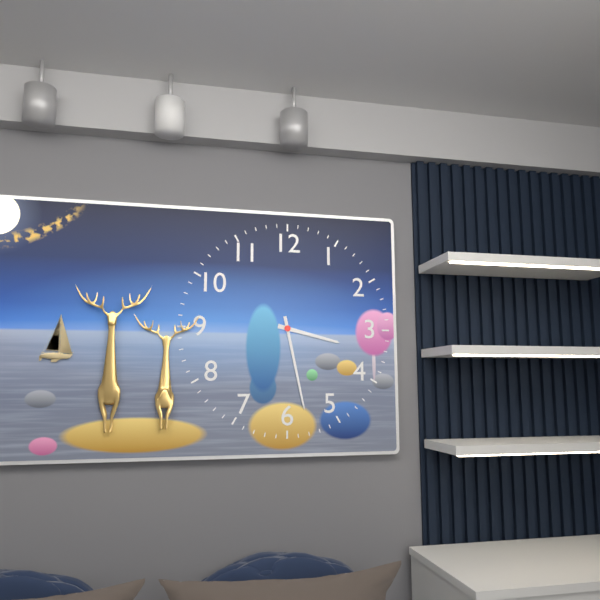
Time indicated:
3h28
